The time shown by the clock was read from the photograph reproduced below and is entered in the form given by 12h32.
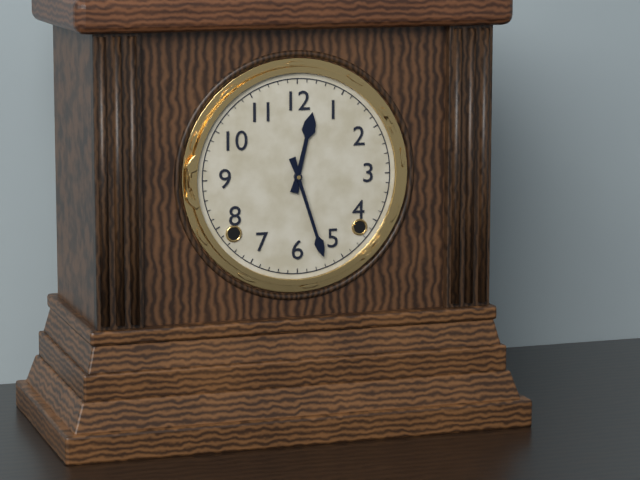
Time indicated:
12h27
